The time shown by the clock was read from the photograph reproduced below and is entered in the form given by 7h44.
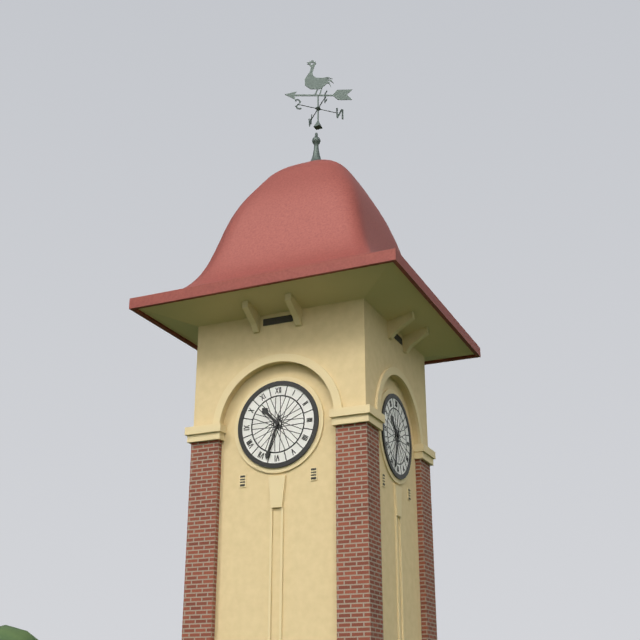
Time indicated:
10h33
